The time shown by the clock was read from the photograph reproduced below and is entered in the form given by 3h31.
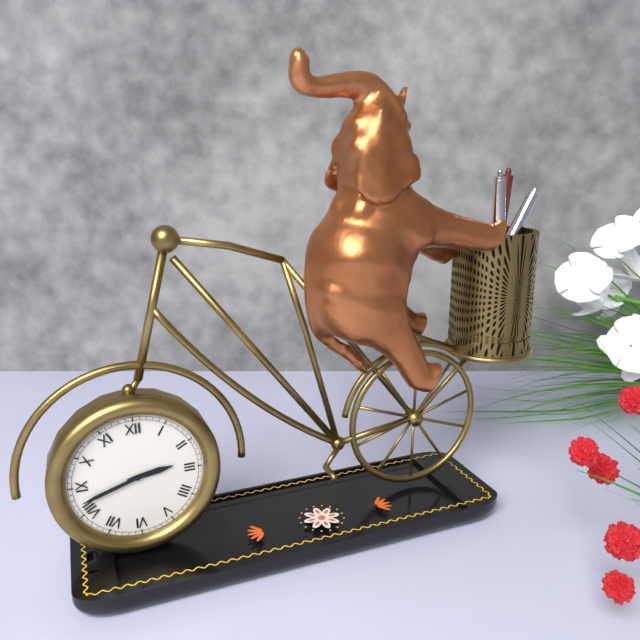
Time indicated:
2h42
